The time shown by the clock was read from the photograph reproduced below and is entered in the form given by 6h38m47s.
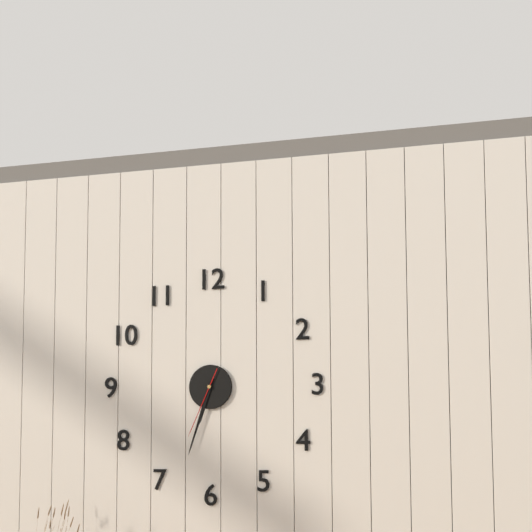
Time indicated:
6h33m34s
